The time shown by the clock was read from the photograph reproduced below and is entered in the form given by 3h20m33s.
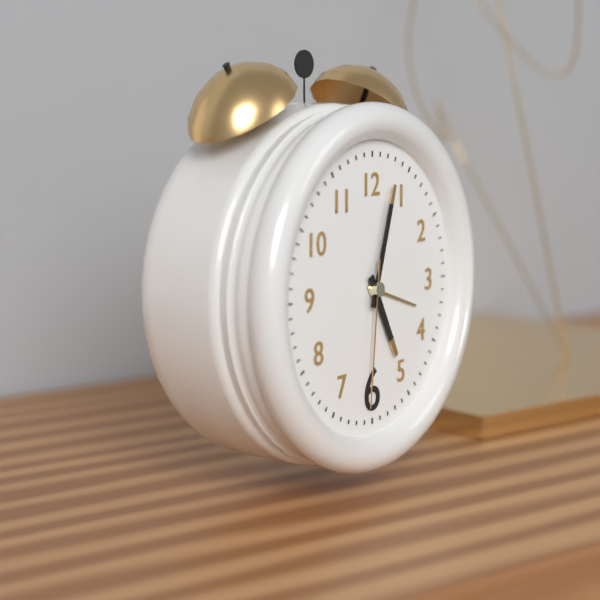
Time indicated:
5h03m31s
